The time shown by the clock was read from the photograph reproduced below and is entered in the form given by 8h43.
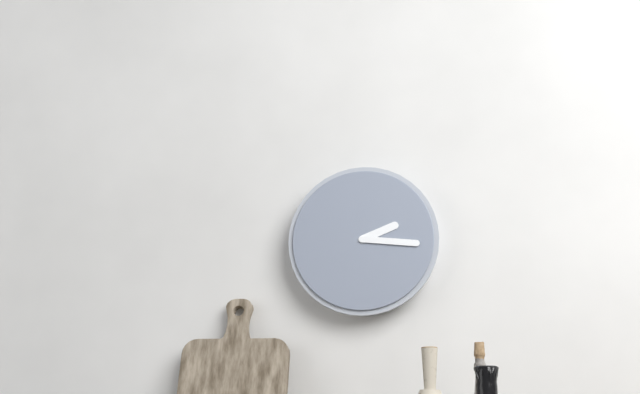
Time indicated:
2h16
